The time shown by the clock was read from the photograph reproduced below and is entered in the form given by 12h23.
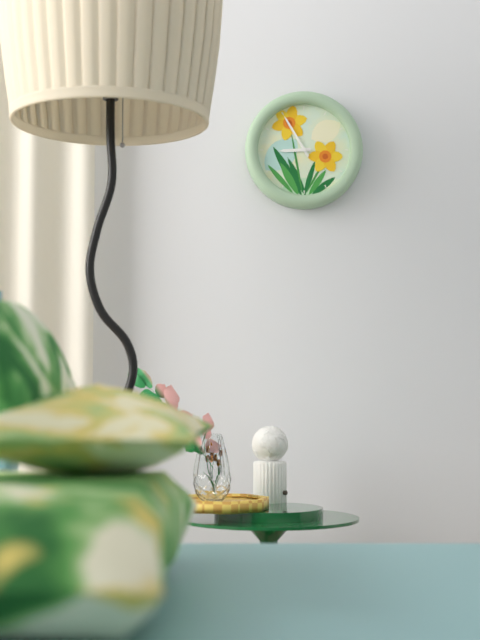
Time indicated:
8h55
